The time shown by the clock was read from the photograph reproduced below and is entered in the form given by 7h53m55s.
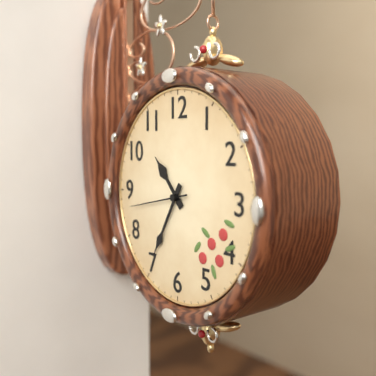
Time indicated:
10h35m43s
